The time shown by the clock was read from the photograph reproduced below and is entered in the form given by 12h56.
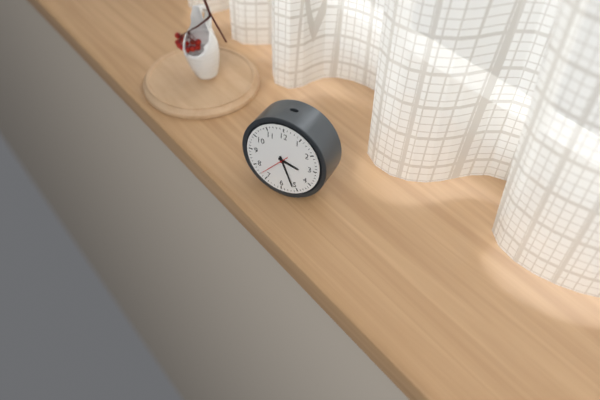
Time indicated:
3h26
